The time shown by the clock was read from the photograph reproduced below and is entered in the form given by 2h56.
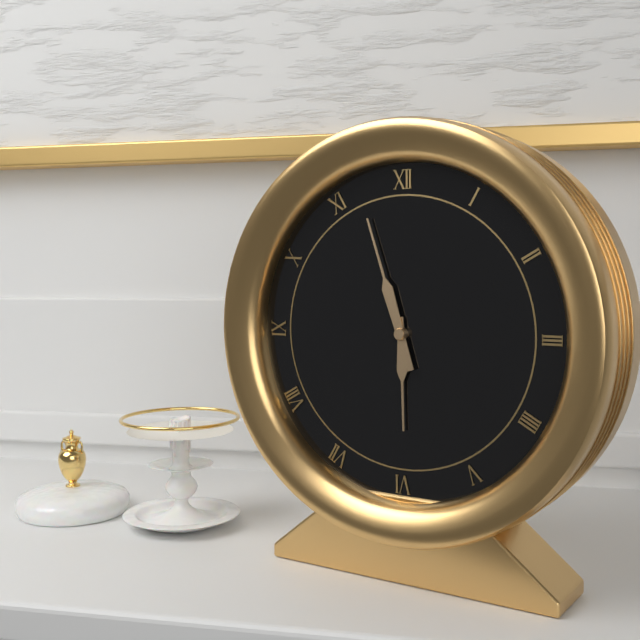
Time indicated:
5h57
